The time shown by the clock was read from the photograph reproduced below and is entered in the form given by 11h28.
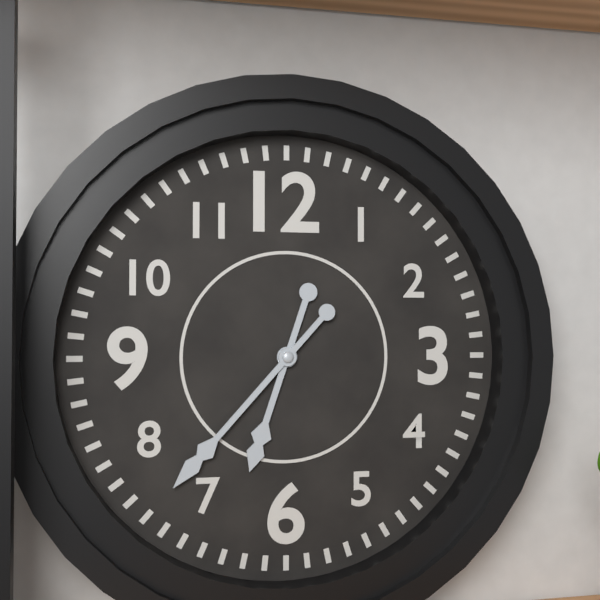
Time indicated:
6h37
